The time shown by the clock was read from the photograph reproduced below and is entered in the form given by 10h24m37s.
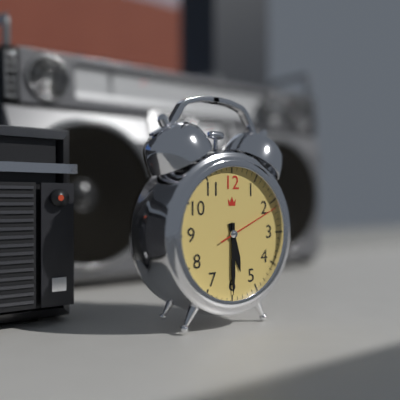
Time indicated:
5h30m11s
